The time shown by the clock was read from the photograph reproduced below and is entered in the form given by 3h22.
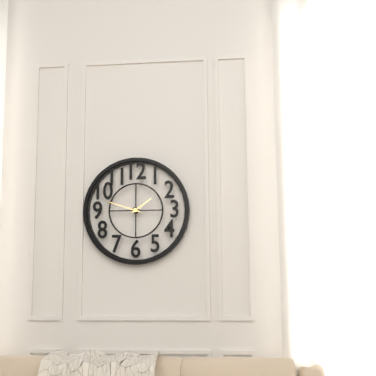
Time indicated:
1h48
